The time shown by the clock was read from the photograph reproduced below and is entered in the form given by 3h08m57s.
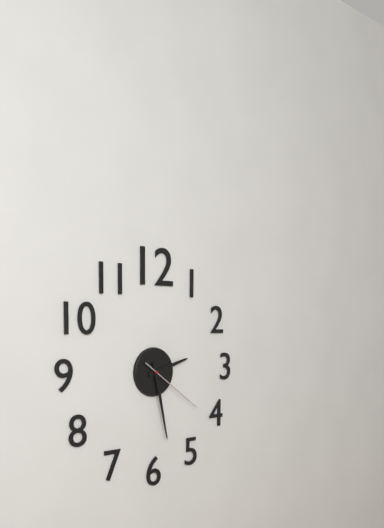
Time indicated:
2h28m21s
